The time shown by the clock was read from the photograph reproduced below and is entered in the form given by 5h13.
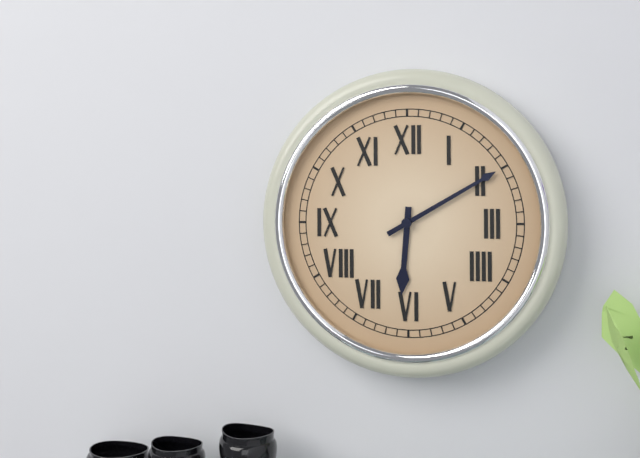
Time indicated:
6h10
